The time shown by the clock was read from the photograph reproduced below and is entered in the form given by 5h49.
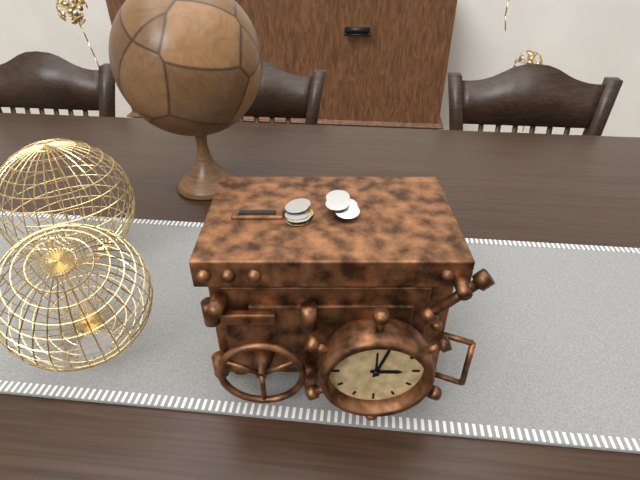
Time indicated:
3h03
